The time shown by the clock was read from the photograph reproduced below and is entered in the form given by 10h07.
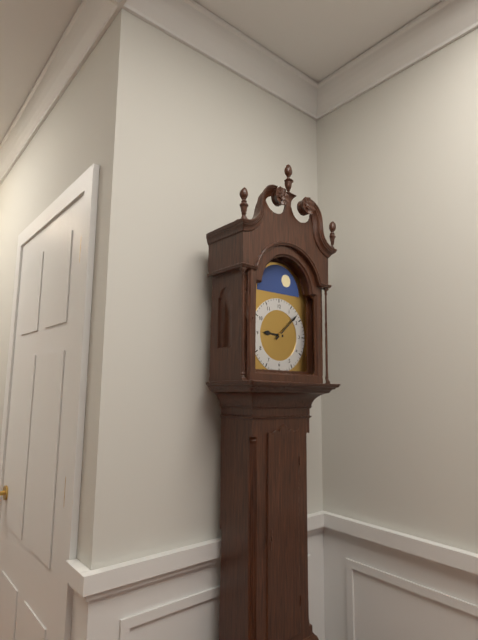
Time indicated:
9h08
